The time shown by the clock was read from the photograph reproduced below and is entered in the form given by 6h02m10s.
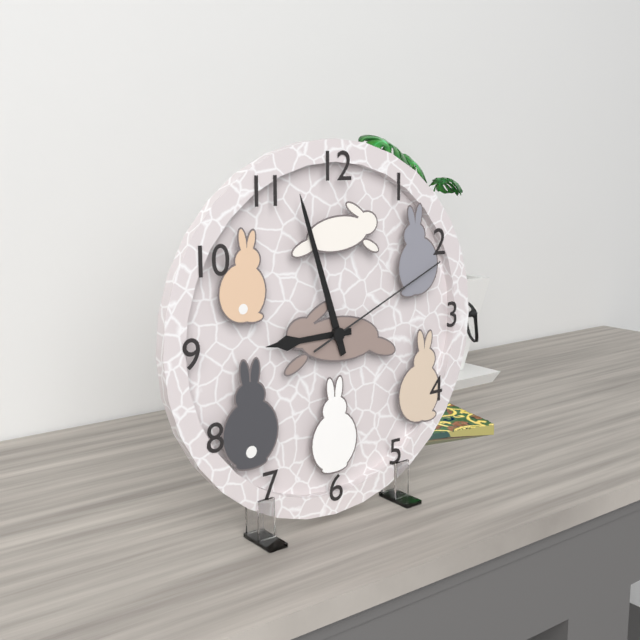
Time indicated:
8h57m11s
